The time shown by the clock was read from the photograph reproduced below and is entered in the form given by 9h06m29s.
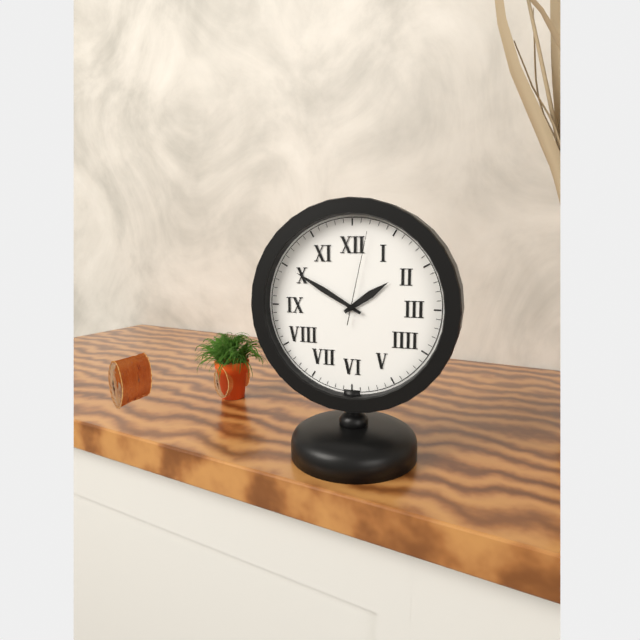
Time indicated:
1h50m02s
